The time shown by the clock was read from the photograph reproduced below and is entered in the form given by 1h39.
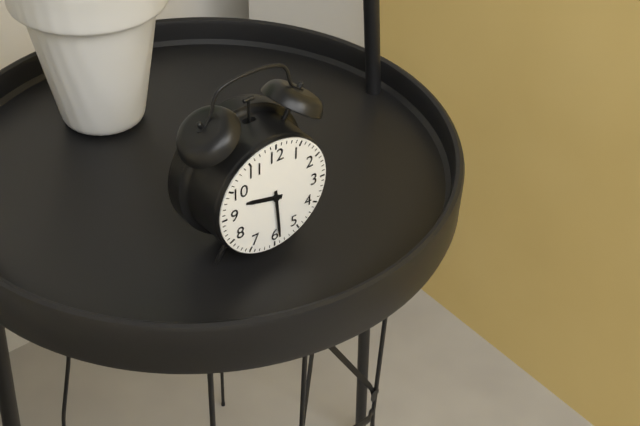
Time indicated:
9h29
